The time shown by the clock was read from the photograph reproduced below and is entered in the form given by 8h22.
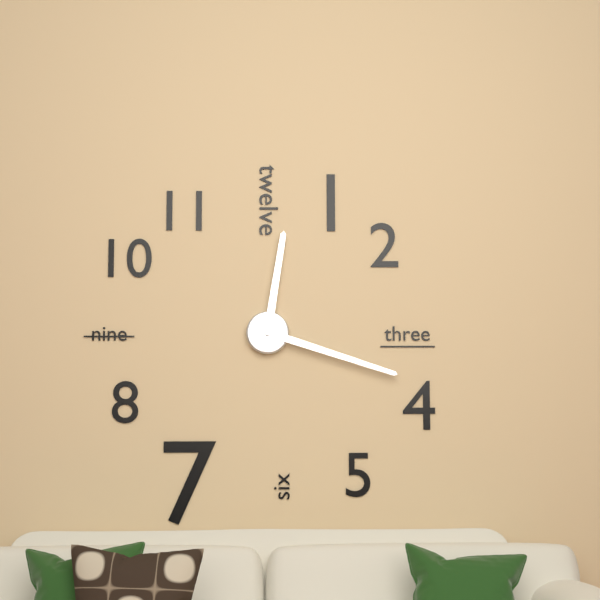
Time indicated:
12h18
